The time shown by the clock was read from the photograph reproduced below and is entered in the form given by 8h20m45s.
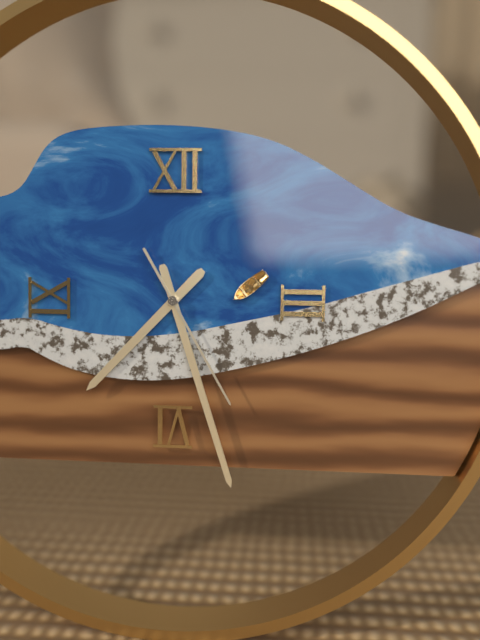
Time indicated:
7h27m25s
